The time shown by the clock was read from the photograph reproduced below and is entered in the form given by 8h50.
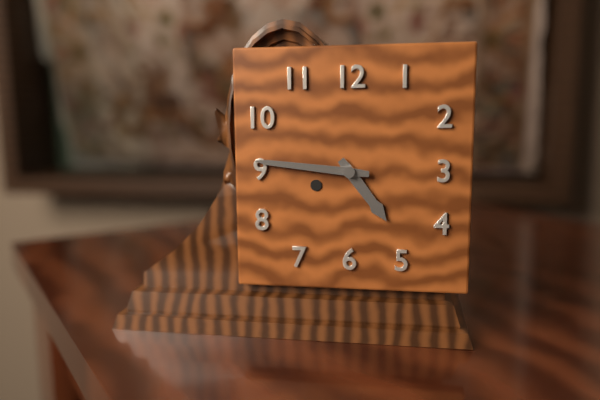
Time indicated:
4h46
